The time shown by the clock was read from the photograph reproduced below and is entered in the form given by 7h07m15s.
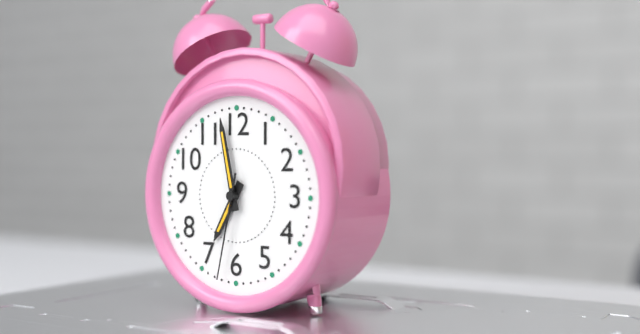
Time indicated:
6h58m32s
